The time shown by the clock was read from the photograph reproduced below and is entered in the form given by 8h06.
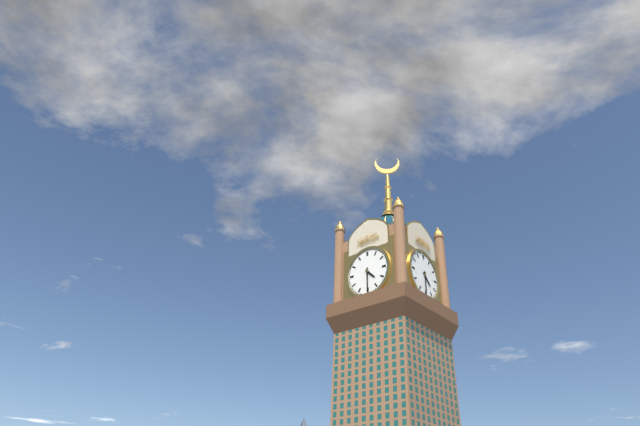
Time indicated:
4h30
